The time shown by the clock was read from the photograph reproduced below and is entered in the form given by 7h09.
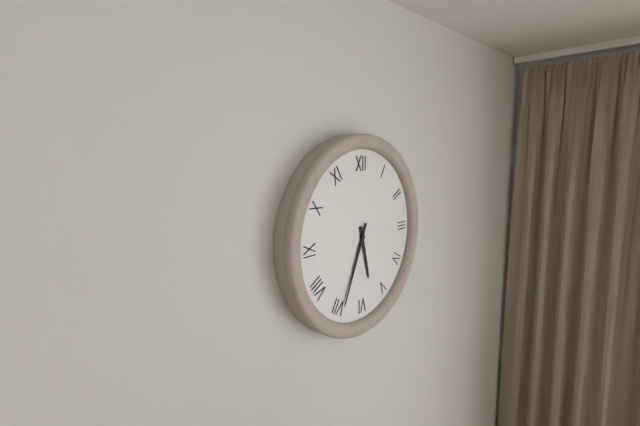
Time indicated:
5h34
